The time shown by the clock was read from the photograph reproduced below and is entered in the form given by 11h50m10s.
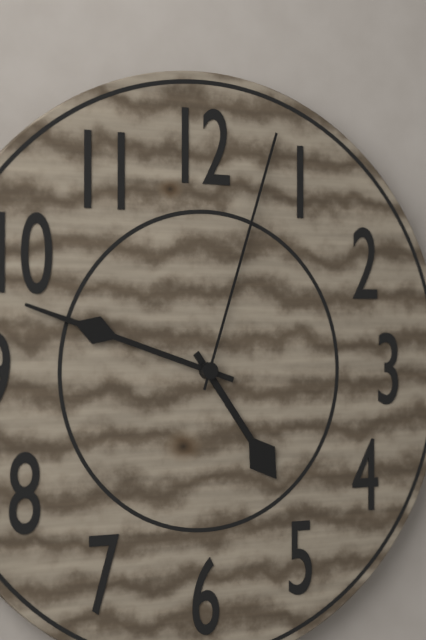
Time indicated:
4h48m03s
